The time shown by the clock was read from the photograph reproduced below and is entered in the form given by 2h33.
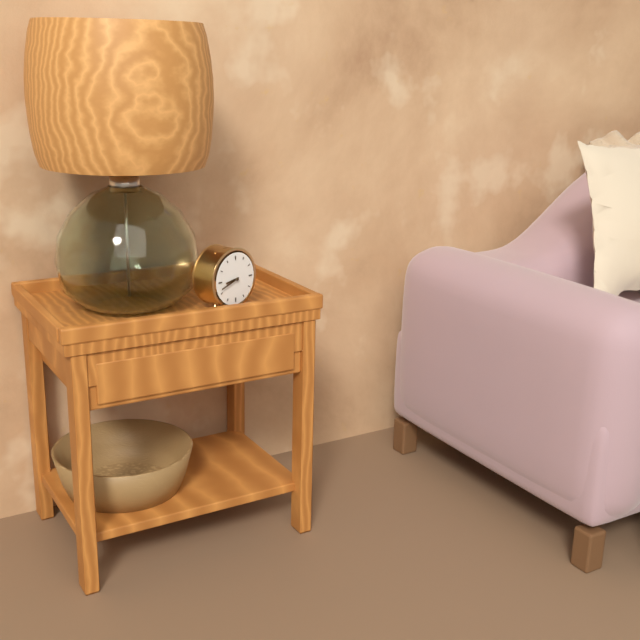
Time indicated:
8h42
